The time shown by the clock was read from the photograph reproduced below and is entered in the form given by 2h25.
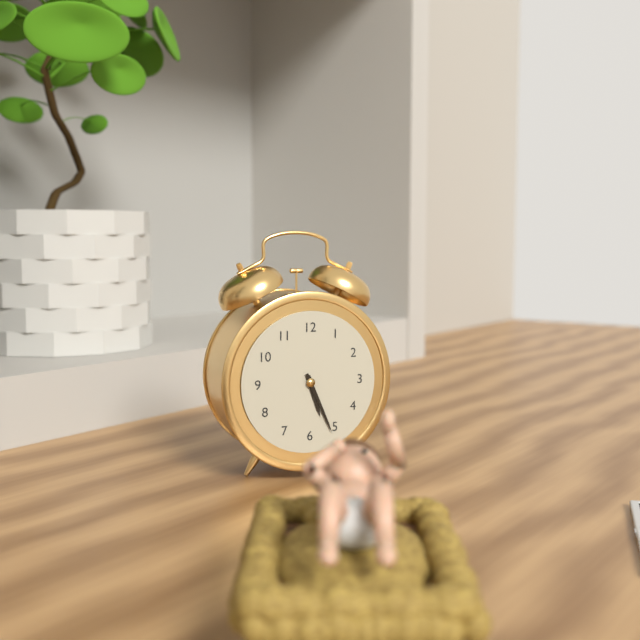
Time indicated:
5h26
